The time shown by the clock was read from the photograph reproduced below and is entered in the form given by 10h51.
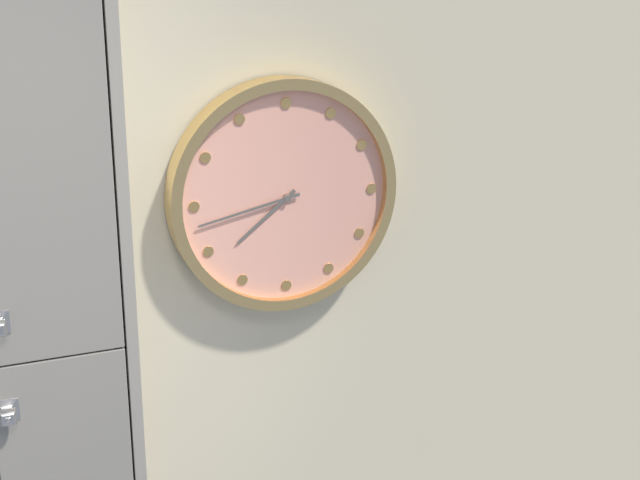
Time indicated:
7h43
